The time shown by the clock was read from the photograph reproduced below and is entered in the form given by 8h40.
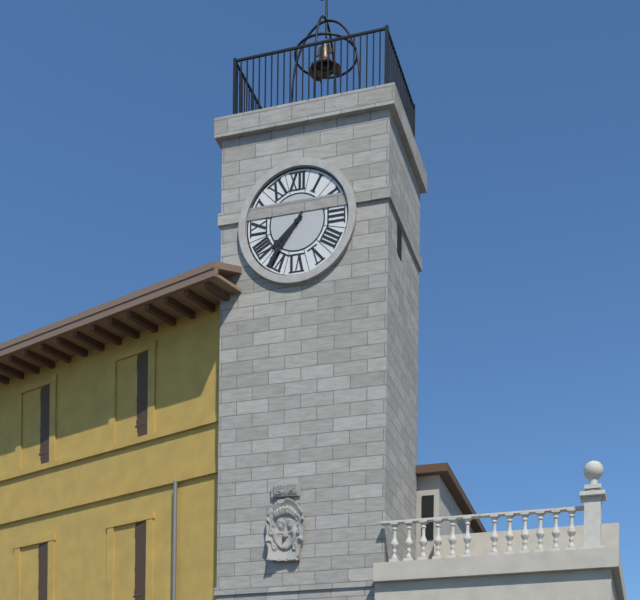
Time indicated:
7h36
